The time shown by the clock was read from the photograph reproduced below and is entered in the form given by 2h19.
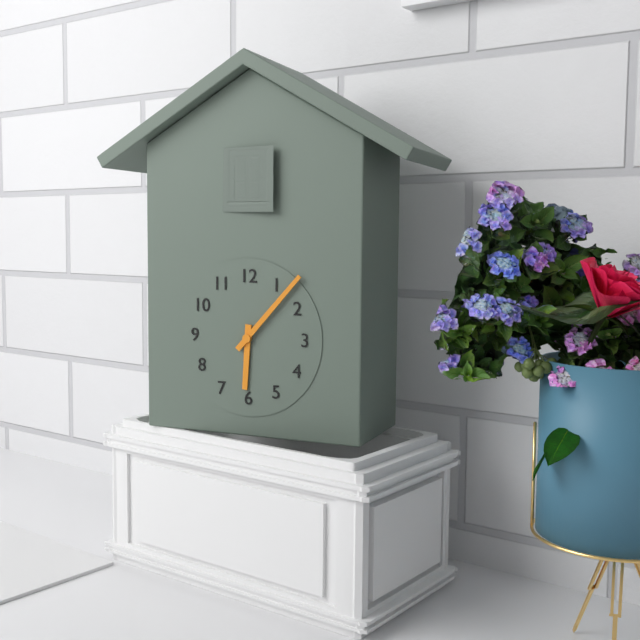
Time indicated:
6h07
